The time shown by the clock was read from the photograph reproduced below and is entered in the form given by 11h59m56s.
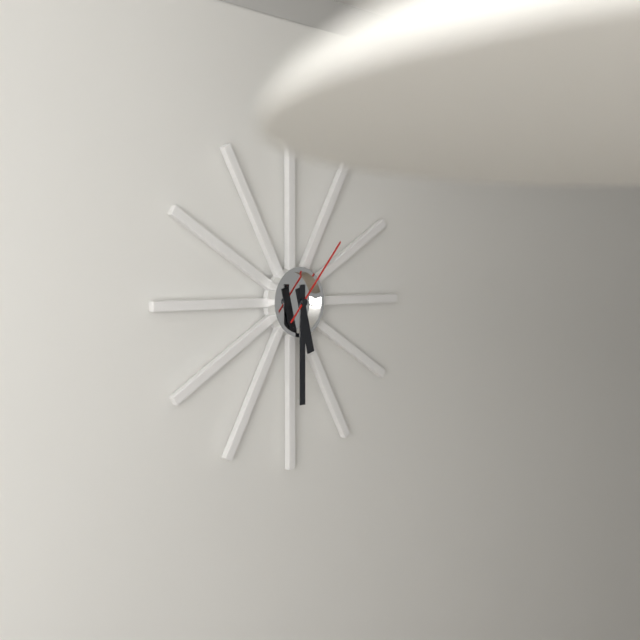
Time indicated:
5h30m07s
